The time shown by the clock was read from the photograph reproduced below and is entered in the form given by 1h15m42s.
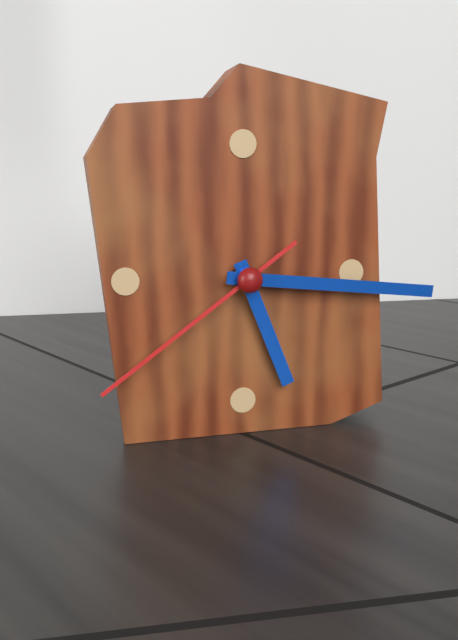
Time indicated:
5h16m39s
